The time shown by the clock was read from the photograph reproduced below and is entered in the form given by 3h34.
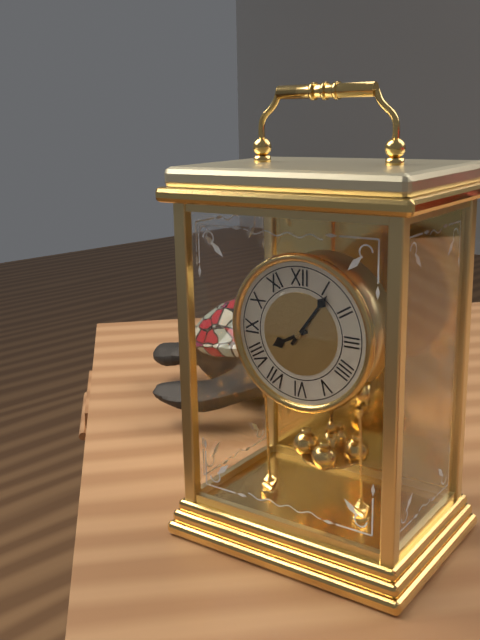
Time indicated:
8h06
